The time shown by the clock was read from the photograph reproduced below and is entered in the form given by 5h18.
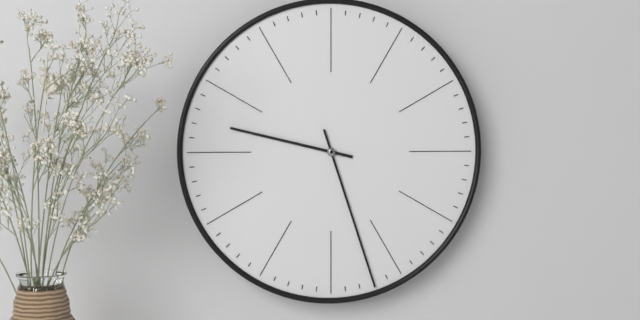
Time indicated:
9h27
